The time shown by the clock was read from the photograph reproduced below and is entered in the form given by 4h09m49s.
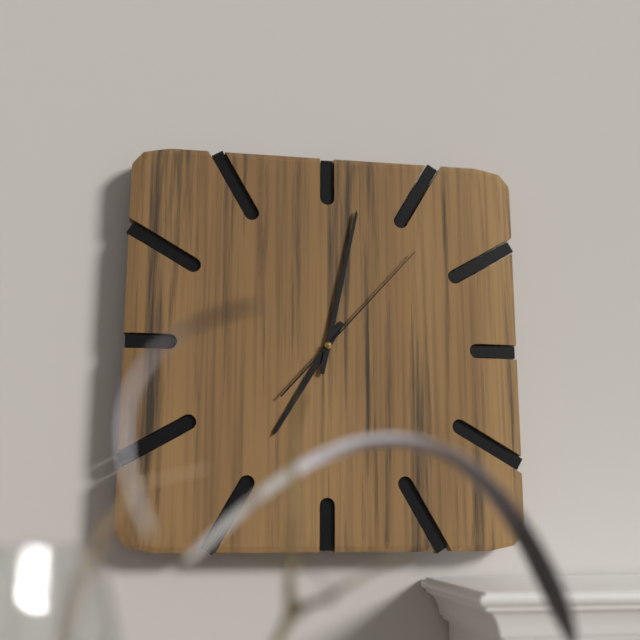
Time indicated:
7h02m07s
